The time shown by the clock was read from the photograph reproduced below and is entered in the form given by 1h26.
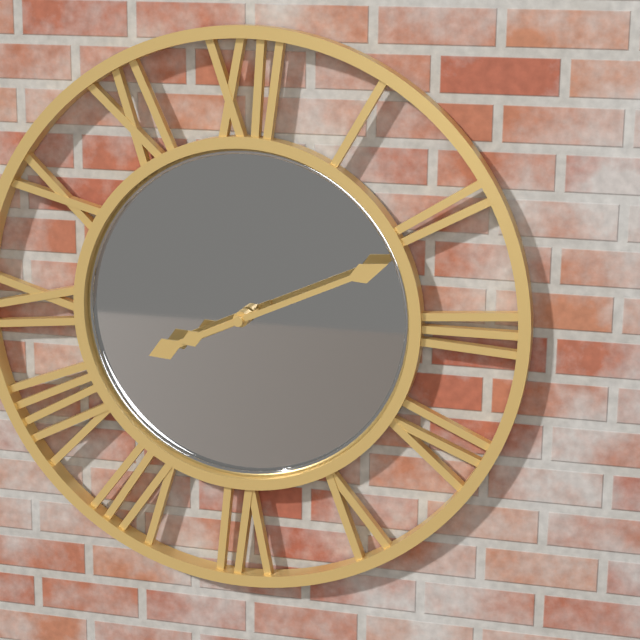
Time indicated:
8h11
